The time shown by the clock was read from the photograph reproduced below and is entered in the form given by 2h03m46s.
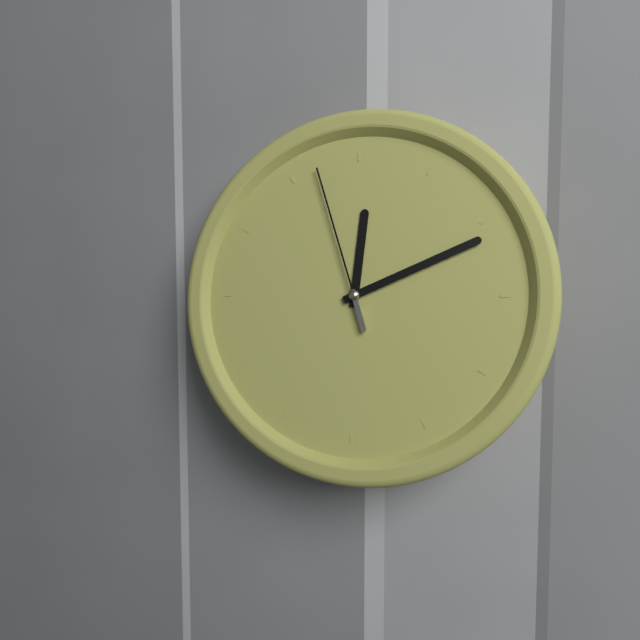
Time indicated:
12h11m57s
